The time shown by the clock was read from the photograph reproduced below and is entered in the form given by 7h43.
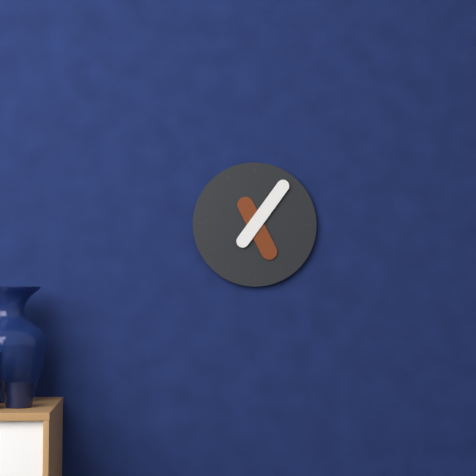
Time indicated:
5h06
